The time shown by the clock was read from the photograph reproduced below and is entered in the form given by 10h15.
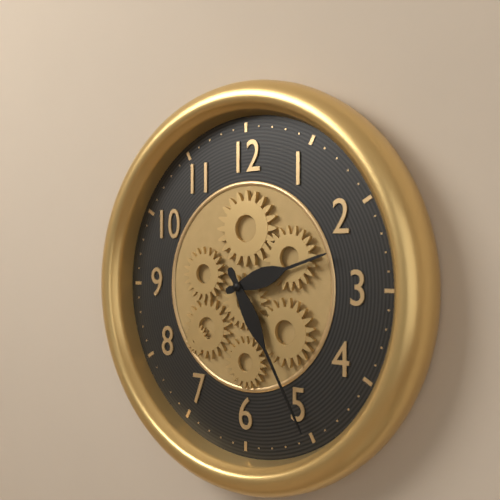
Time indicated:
2h25
